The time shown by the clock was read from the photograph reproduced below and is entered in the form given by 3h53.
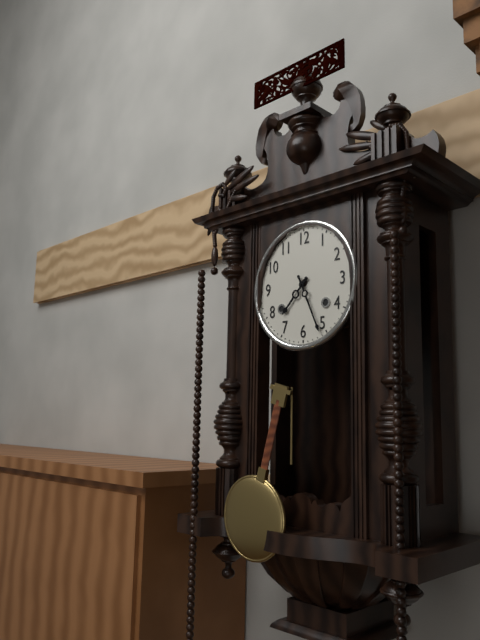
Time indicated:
7h26
